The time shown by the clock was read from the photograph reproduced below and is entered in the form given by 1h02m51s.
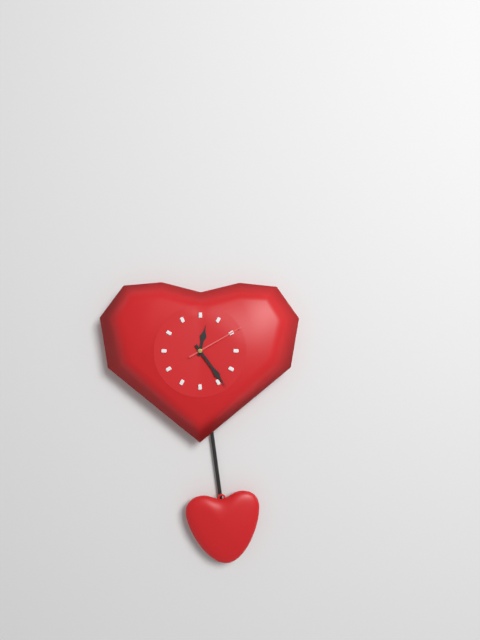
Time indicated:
12h24m10s
